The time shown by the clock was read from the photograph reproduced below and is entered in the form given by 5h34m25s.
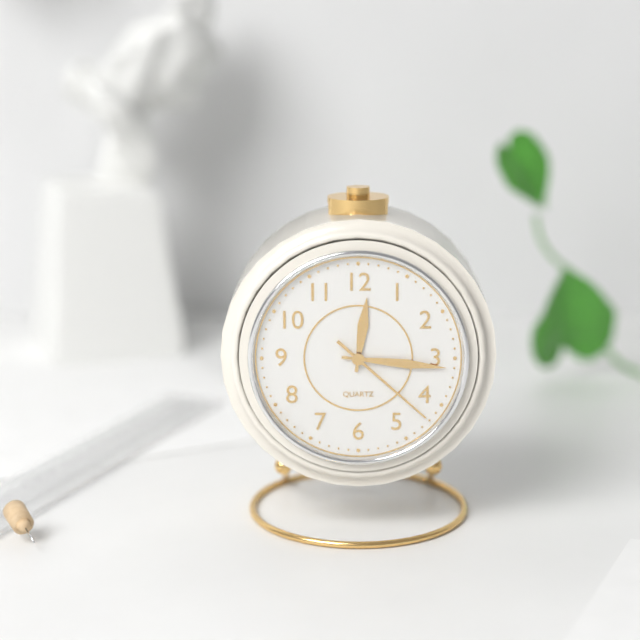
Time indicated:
12h16m22s
